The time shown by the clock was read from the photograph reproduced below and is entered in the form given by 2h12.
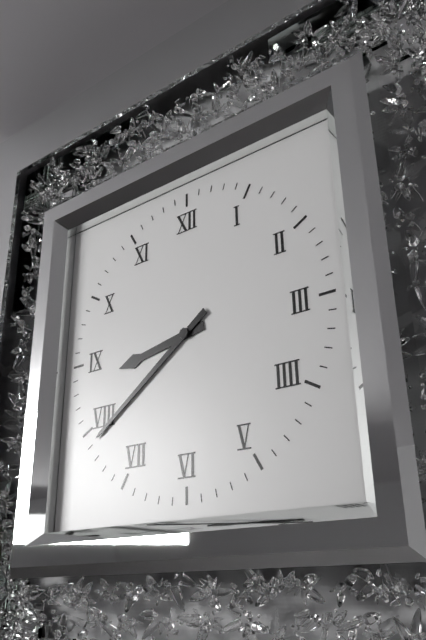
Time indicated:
8h39
